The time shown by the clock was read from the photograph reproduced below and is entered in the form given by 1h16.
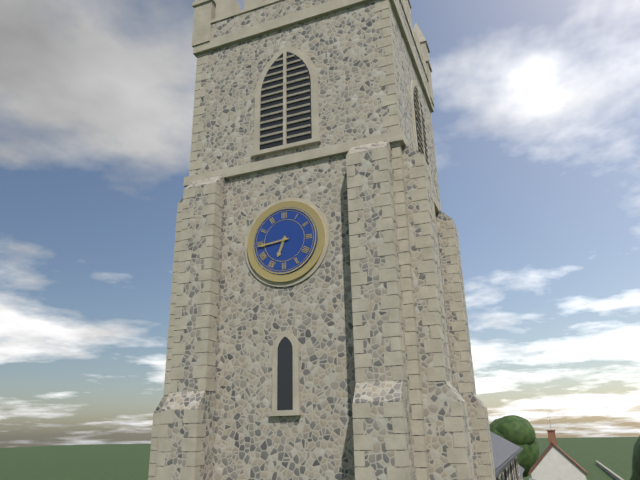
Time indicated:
6h44
